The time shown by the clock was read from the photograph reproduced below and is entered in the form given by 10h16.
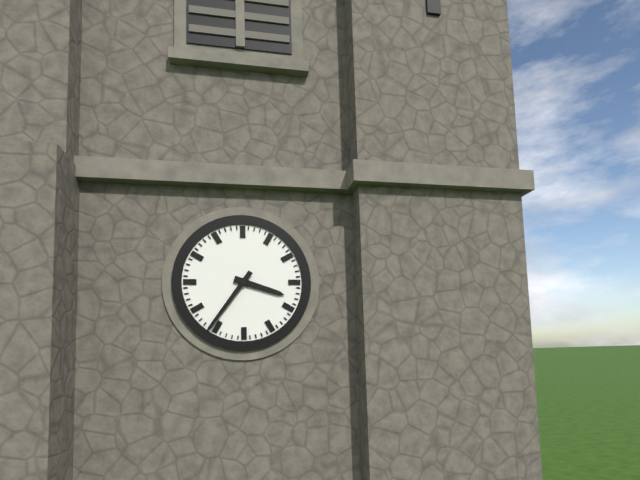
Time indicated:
3h36
